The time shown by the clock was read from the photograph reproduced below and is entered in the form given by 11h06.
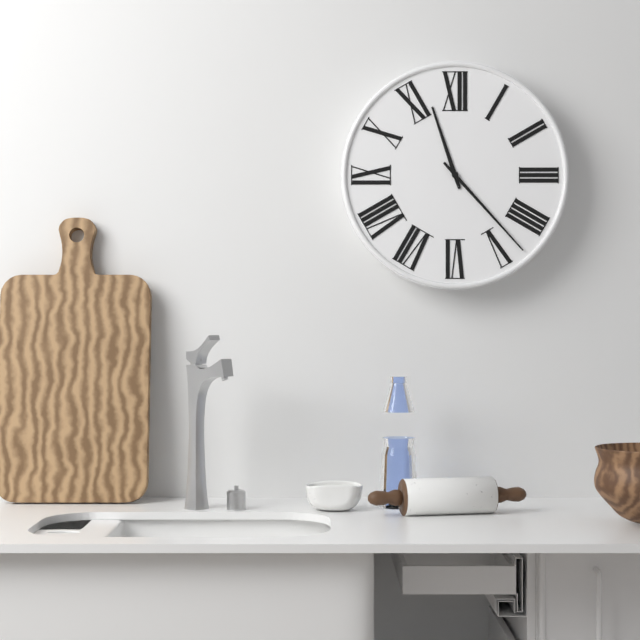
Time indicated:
11h23
